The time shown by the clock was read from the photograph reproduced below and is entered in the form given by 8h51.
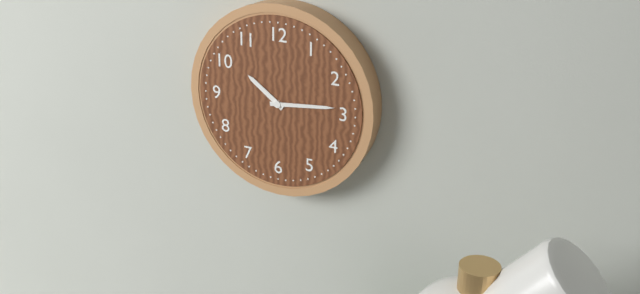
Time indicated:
10h14
